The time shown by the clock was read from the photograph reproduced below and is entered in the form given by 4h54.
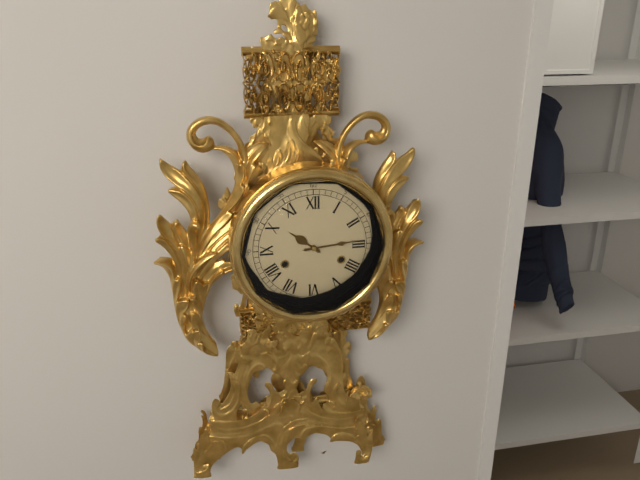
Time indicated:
10h14
